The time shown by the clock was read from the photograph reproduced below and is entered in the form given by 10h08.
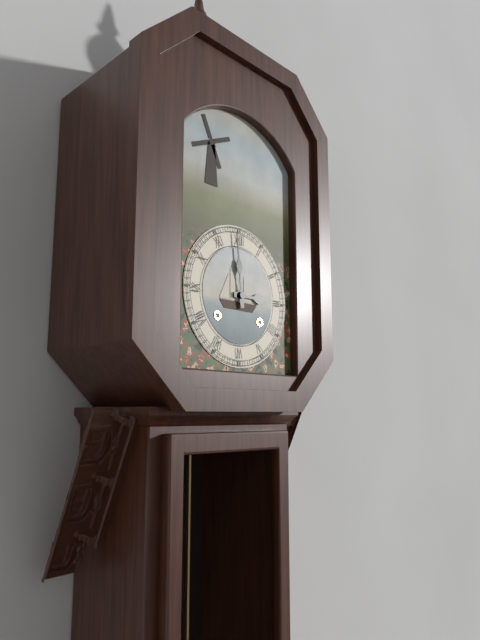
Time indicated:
2h59
